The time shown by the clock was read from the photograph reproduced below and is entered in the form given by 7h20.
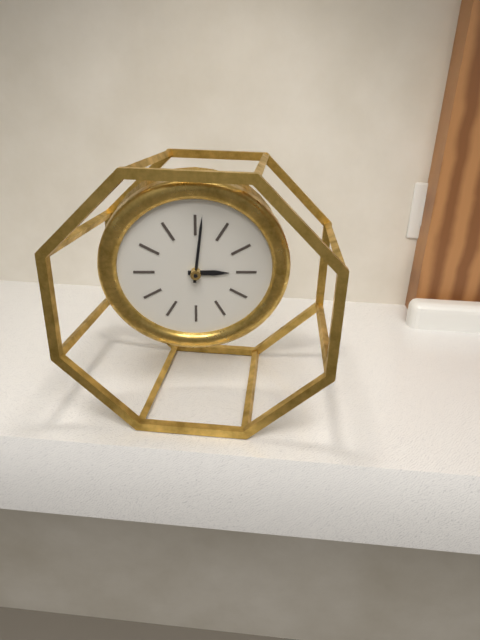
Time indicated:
3h01
